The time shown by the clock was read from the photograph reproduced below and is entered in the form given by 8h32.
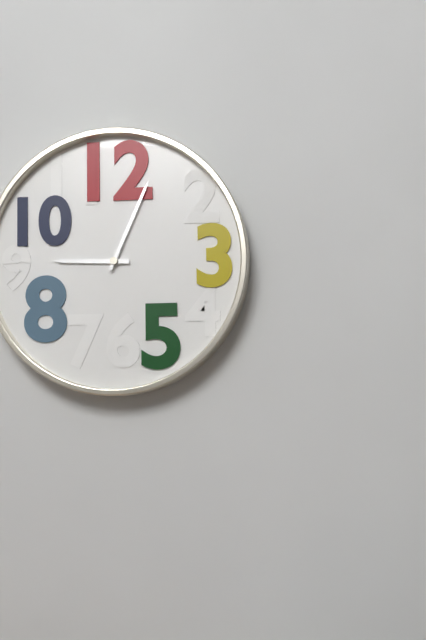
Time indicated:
9h04
